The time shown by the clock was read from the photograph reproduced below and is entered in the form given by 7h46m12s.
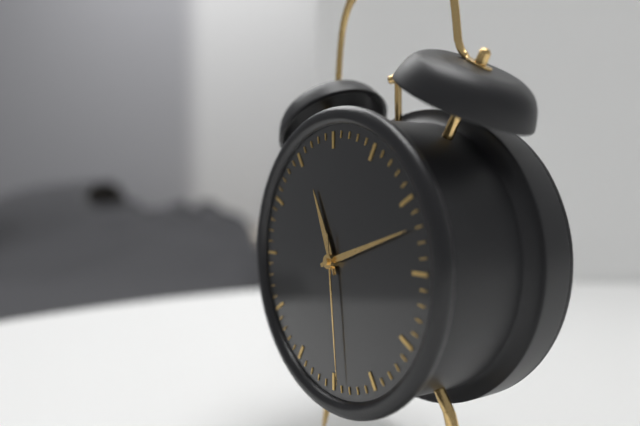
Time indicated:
11h12m29s
